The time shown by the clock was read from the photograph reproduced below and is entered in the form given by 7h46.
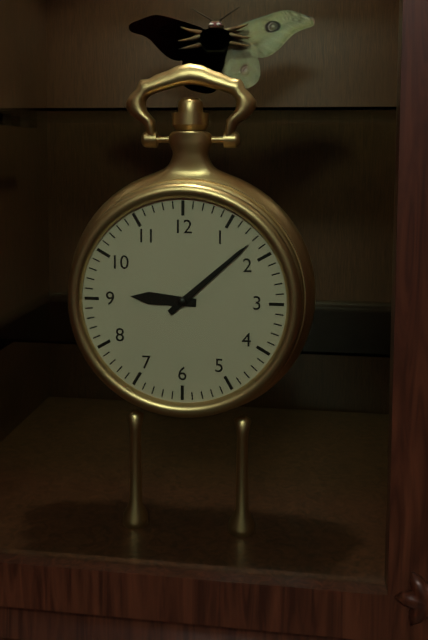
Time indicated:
9h08
